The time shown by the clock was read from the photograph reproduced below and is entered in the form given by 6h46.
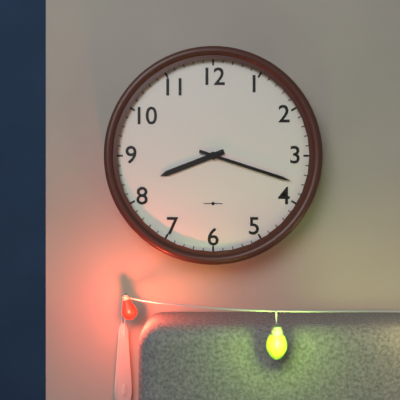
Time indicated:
8h18
